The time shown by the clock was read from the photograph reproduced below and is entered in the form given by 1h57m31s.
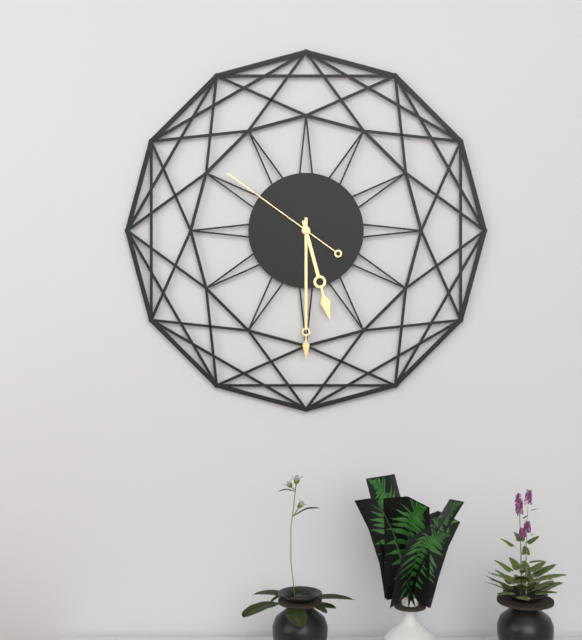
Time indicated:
5h30m51s
